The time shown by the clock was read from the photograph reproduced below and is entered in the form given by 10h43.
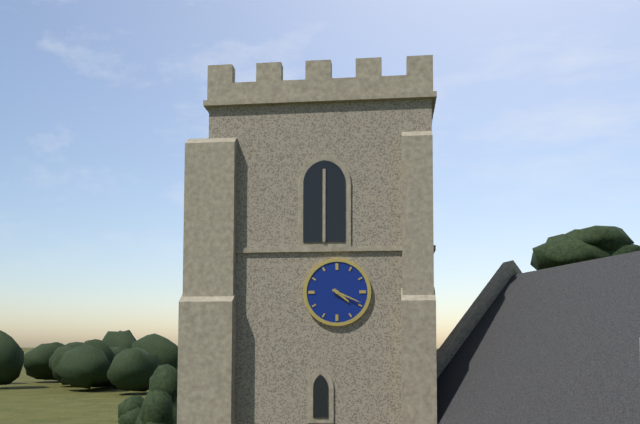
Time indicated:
4h19
